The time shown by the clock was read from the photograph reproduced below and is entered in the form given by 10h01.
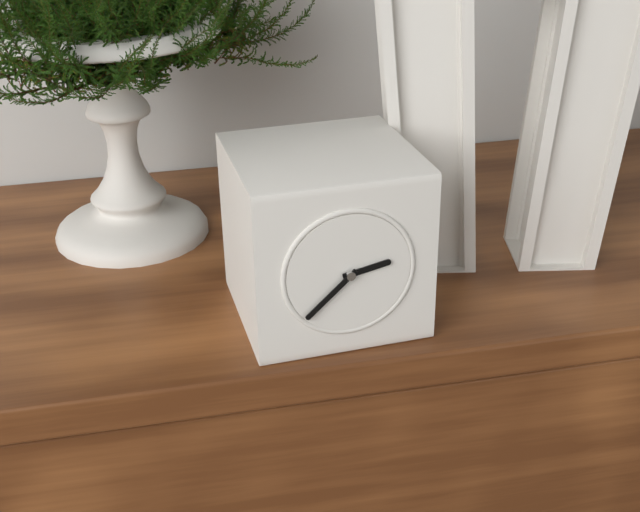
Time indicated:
2h38
